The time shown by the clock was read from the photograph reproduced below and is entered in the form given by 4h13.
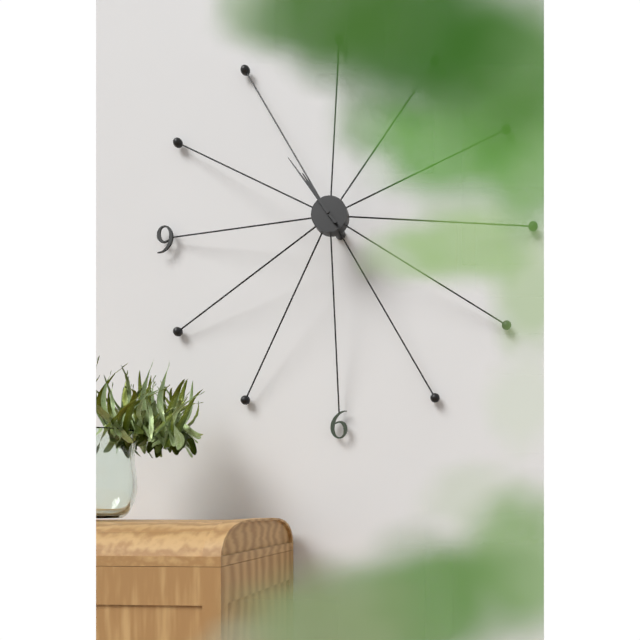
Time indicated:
10h54
